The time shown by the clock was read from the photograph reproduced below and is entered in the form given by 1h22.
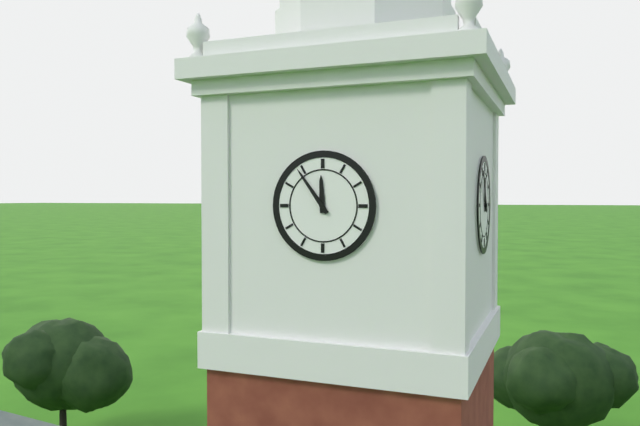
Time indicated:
11h54
